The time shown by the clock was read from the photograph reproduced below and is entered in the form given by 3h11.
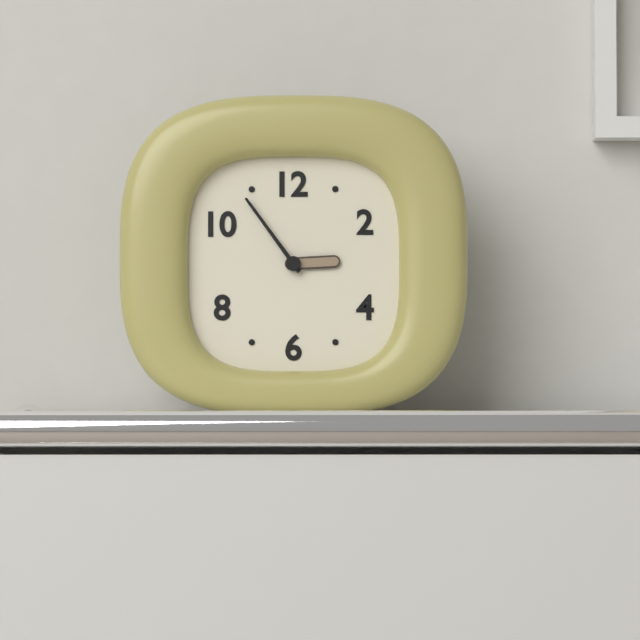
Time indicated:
2h54
